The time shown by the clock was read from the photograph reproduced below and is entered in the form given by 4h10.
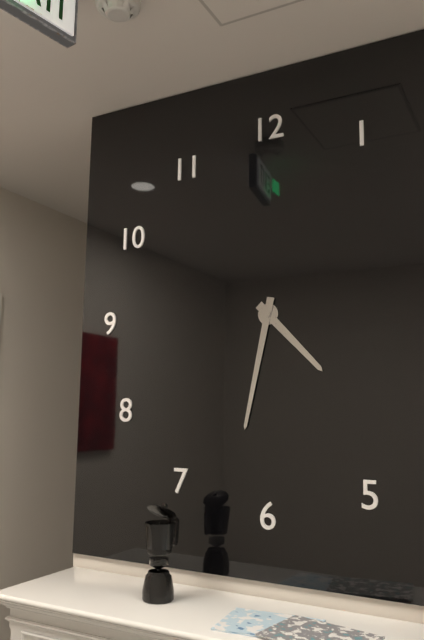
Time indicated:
4h32
